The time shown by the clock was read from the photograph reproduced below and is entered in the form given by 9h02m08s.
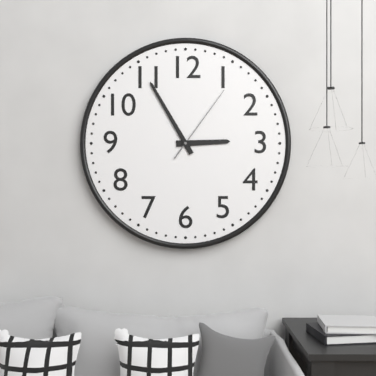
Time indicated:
2h55m06s
